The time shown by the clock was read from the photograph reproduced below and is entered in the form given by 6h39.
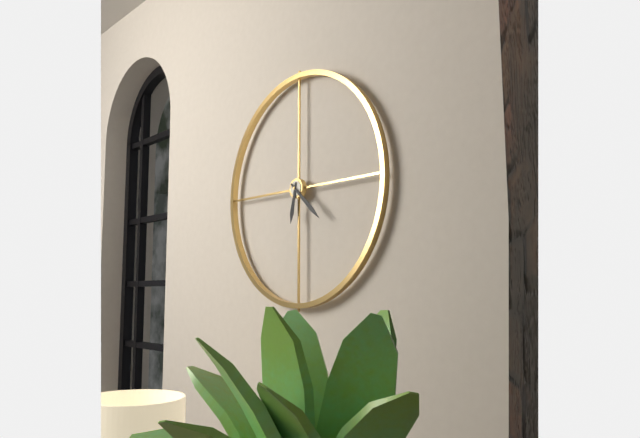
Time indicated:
6h22
